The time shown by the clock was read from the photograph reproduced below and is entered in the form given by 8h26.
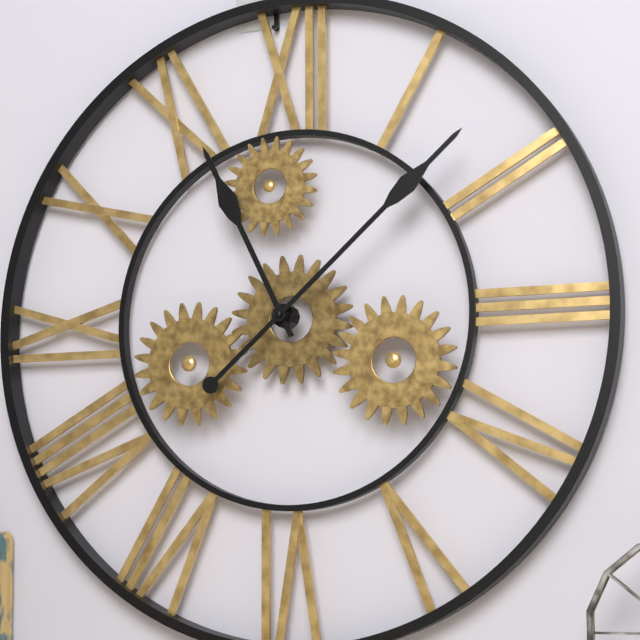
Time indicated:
11h08
